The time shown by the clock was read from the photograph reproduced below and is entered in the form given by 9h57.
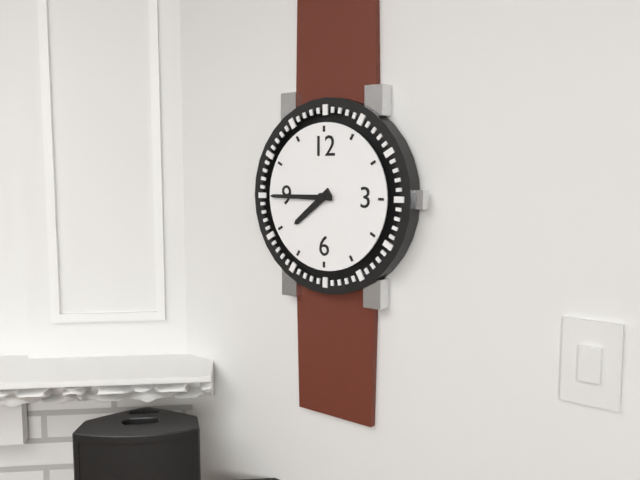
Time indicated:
7h45
